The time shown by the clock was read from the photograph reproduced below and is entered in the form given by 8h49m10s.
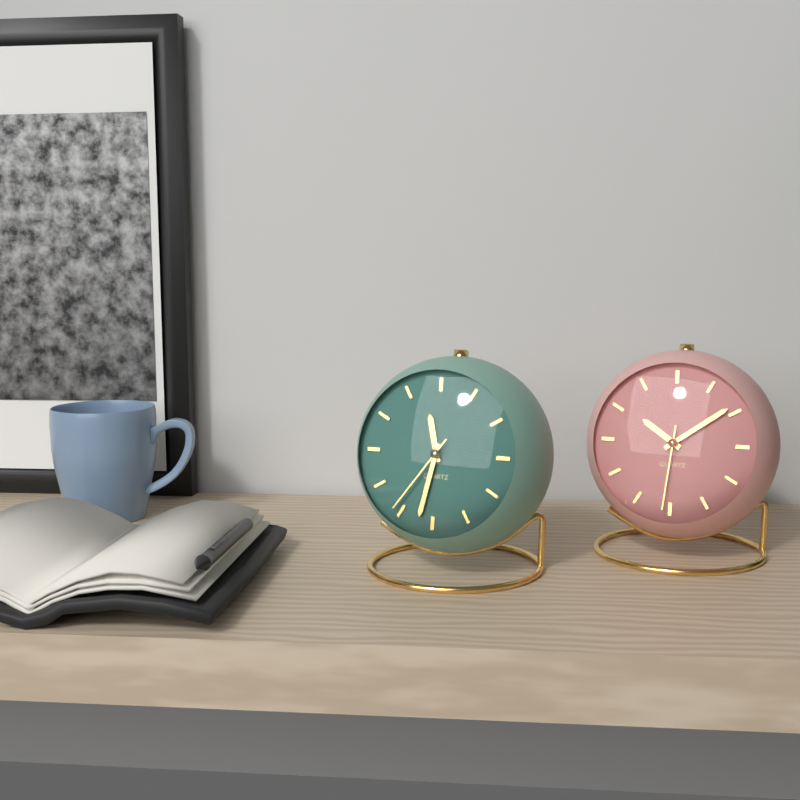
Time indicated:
11h32m36s
